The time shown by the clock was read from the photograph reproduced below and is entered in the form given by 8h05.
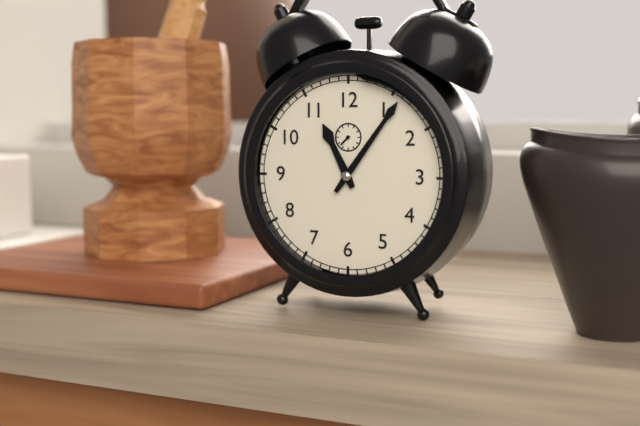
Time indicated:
11h06
